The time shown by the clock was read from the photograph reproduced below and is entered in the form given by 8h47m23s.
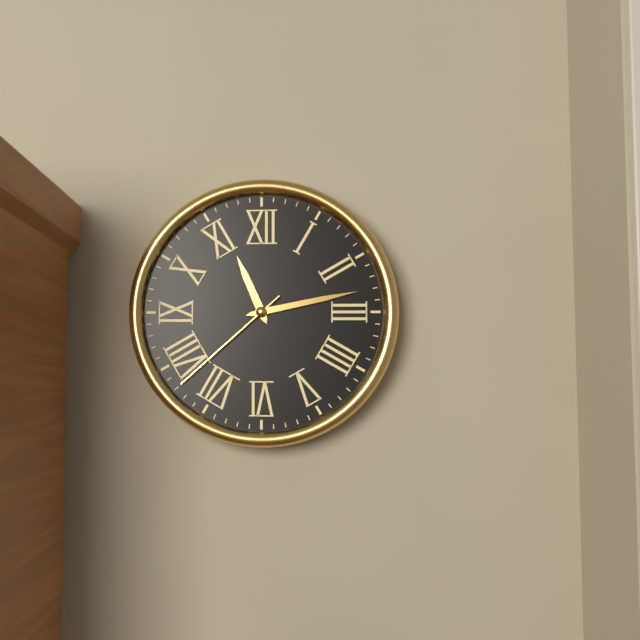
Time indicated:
11h13m38s
